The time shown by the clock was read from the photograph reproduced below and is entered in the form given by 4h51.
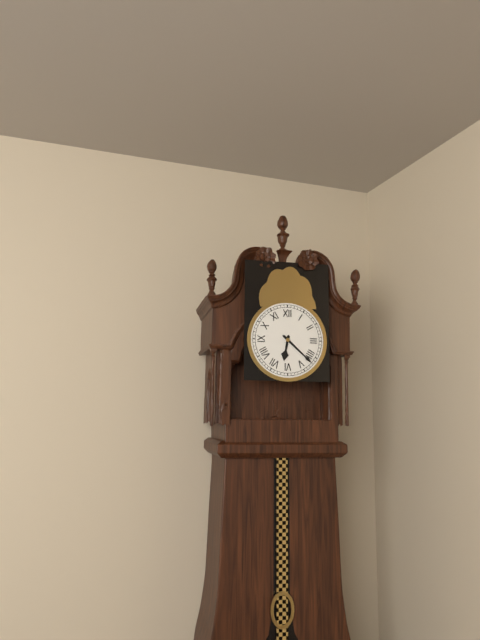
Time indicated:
6h22
